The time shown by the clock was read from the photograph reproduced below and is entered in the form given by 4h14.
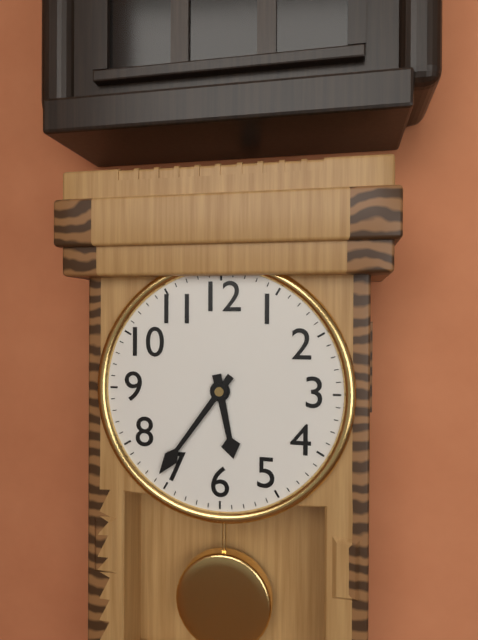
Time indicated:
5h36
